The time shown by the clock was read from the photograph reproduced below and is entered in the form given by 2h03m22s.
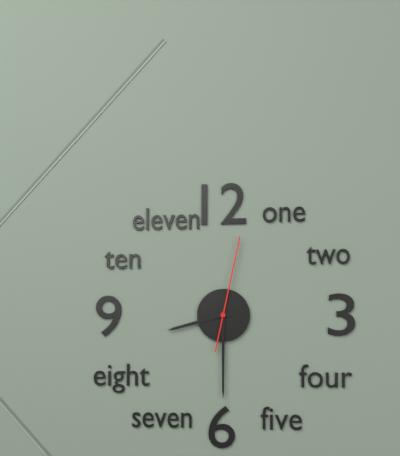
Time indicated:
8h30m02s
